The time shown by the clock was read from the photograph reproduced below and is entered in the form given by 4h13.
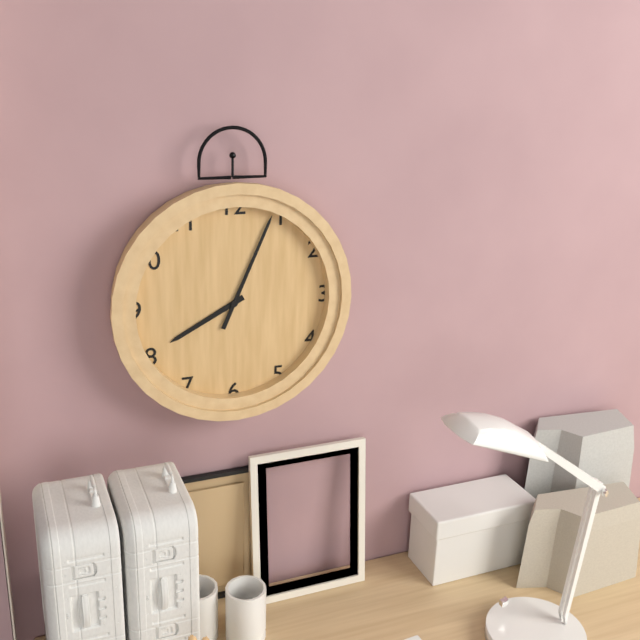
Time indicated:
8h04
